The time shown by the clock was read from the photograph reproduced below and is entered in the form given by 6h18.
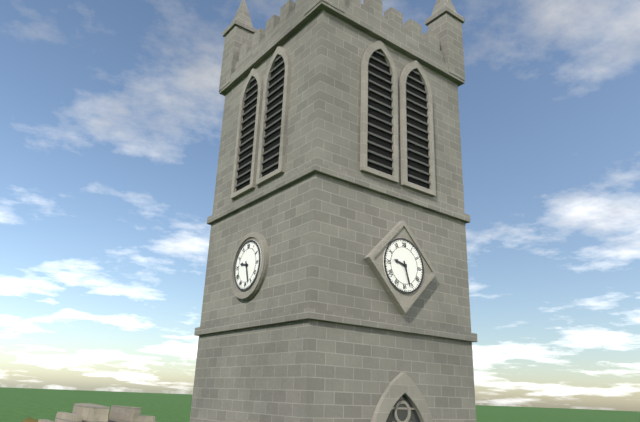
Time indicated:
9h27
